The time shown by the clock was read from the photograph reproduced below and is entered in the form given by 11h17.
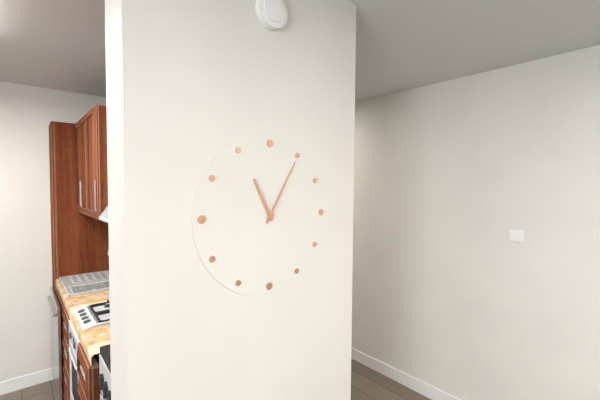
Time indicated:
11h05
